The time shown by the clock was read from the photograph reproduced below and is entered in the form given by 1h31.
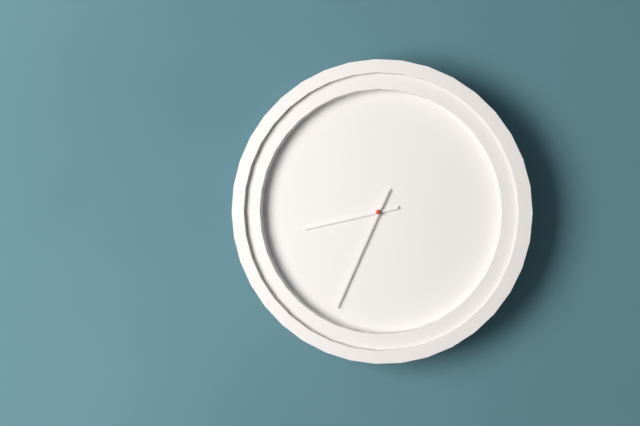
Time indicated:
8h34
